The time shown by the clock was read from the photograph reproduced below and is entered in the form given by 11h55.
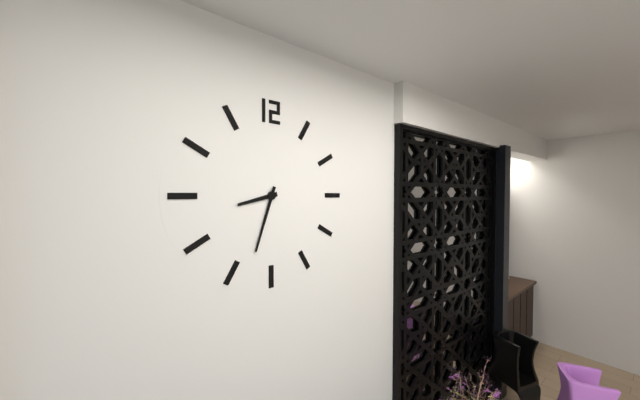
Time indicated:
8h33
